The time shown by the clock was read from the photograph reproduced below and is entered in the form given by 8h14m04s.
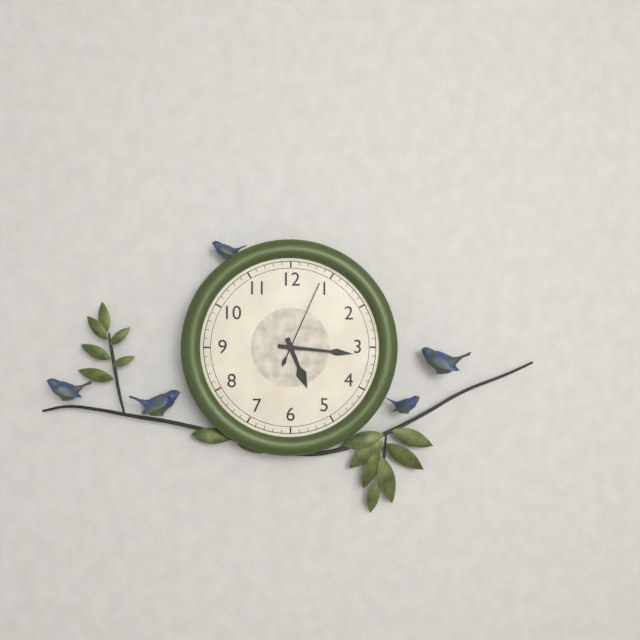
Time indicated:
5h16m04s
